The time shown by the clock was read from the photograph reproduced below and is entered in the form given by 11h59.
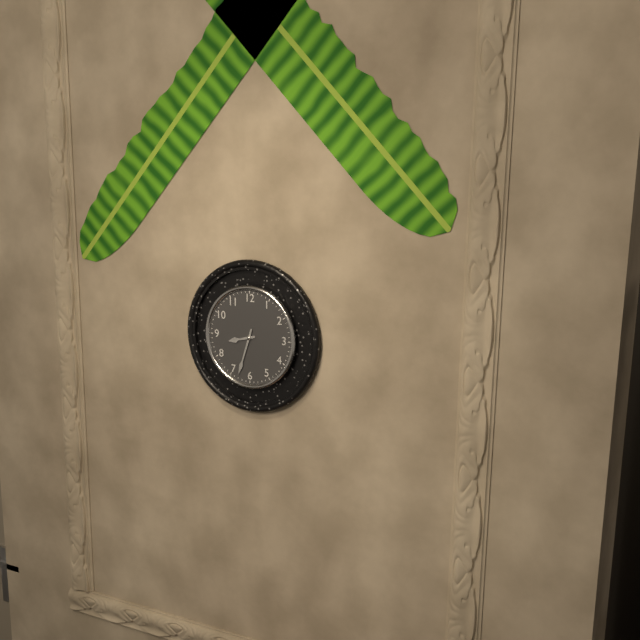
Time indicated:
8h33
